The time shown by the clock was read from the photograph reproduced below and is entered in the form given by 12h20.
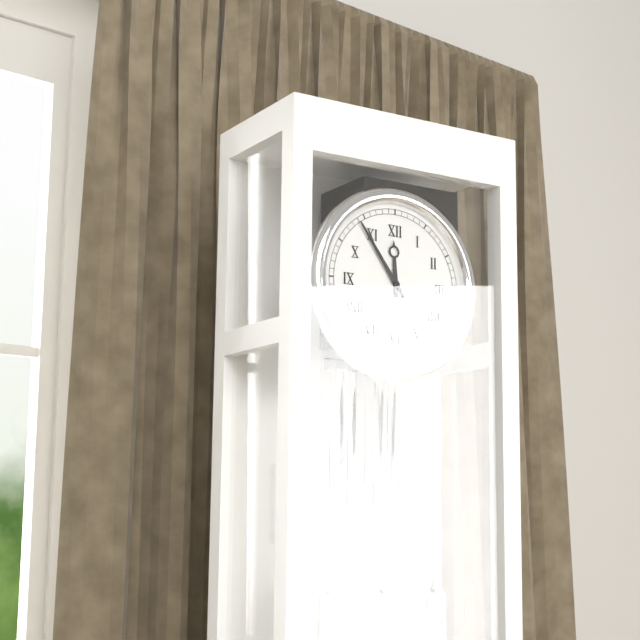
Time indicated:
11h54
